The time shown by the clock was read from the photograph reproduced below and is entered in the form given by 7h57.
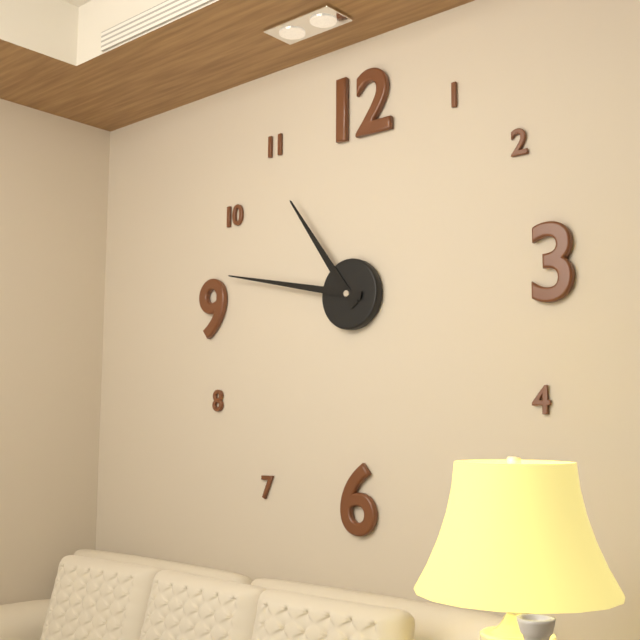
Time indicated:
10h47
